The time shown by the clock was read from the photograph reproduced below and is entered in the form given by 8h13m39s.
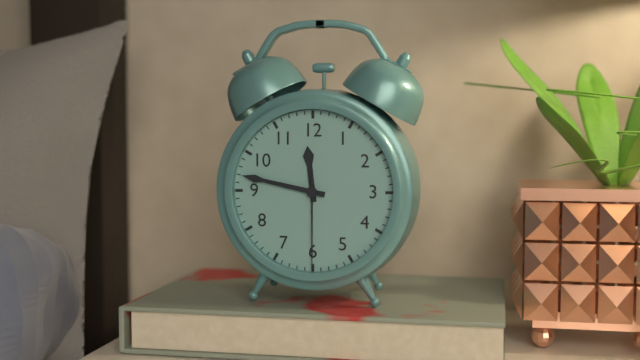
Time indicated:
11h47m30s
